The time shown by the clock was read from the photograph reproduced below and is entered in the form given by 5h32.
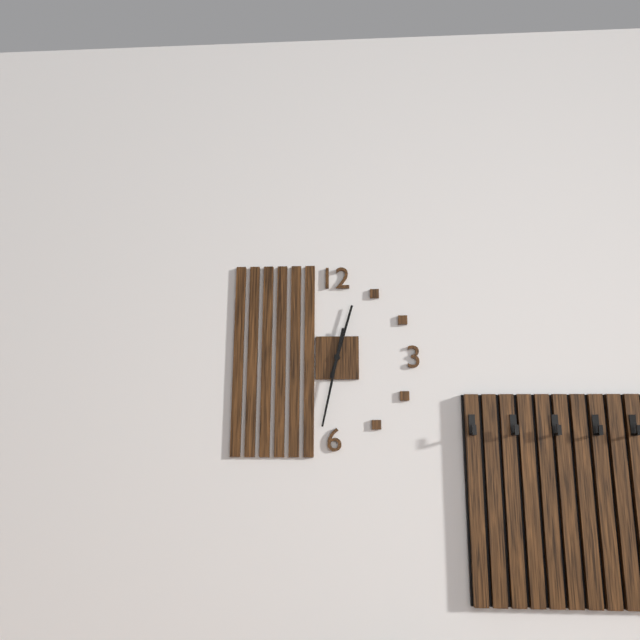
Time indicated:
12h32
